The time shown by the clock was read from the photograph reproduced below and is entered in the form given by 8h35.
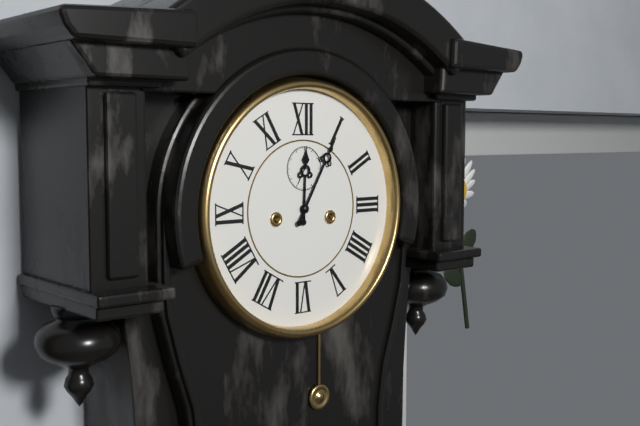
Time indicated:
12h05
